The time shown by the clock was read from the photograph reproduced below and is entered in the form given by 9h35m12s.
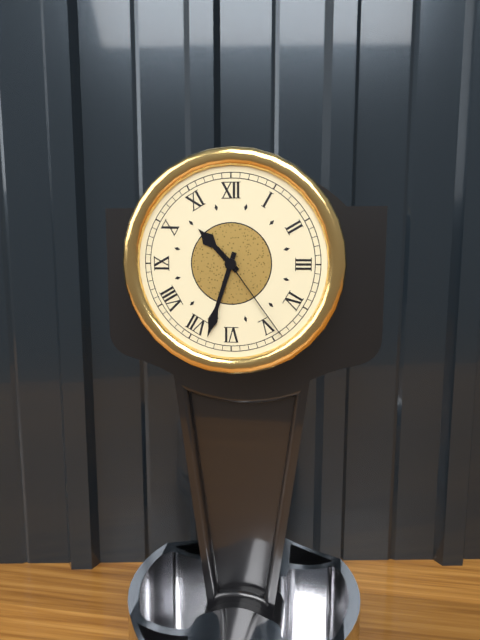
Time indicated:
10h33m24s
